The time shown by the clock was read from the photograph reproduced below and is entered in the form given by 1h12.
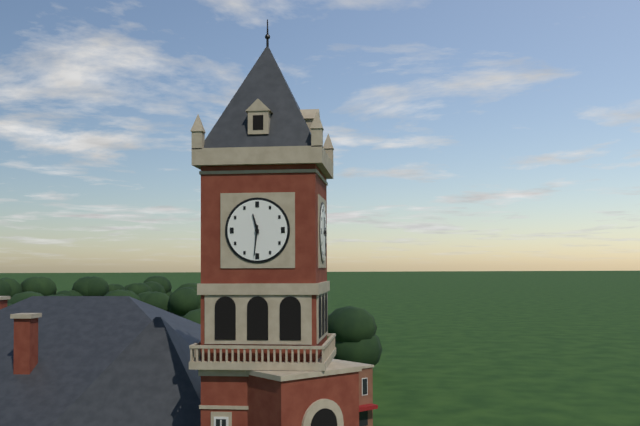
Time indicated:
11h31
